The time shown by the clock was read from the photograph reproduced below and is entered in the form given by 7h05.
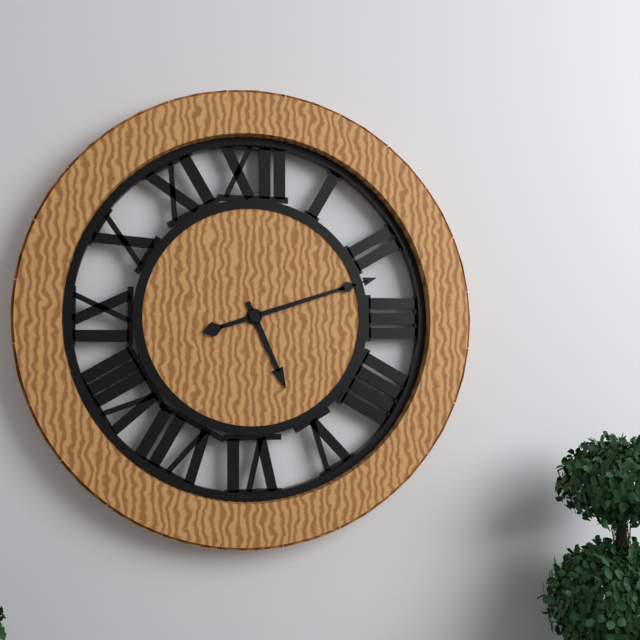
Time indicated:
5h12
